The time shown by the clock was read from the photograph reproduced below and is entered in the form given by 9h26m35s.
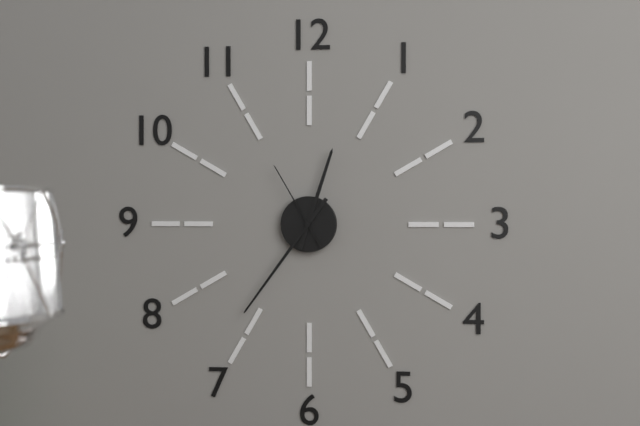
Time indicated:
12h36m55s
